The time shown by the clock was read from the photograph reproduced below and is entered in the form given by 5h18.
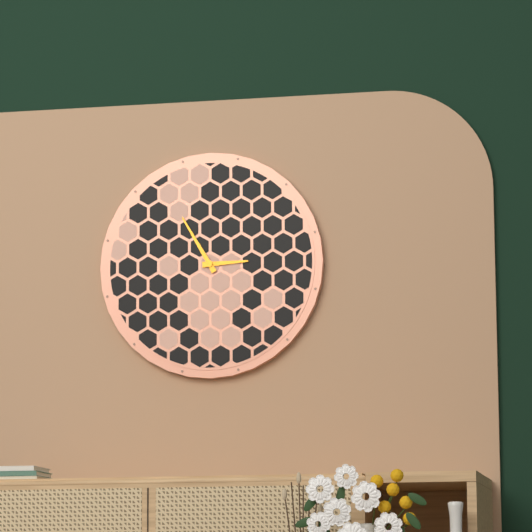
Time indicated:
2h55
